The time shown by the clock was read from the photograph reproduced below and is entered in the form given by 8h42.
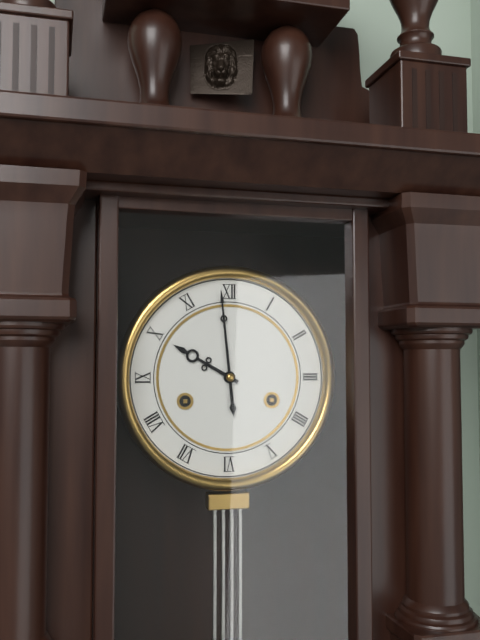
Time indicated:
9h59
